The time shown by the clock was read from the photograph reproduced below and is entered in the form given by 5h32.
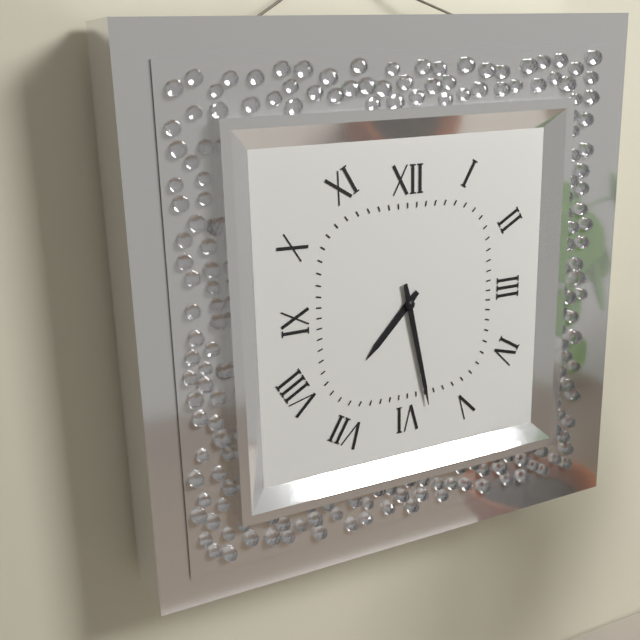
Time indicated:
7h28
